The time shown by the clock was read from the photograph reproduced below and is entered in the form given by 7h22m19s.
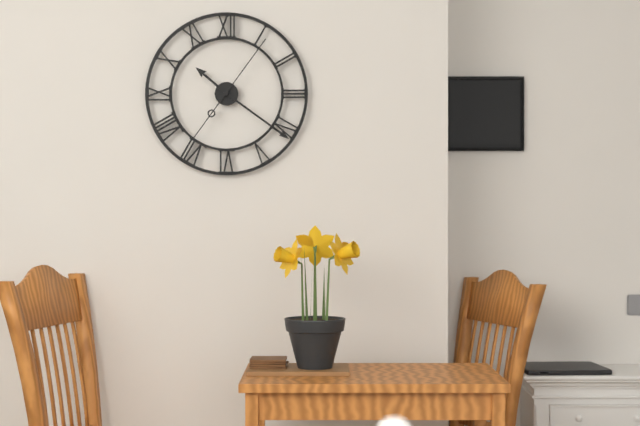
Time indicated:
10h21m06s
